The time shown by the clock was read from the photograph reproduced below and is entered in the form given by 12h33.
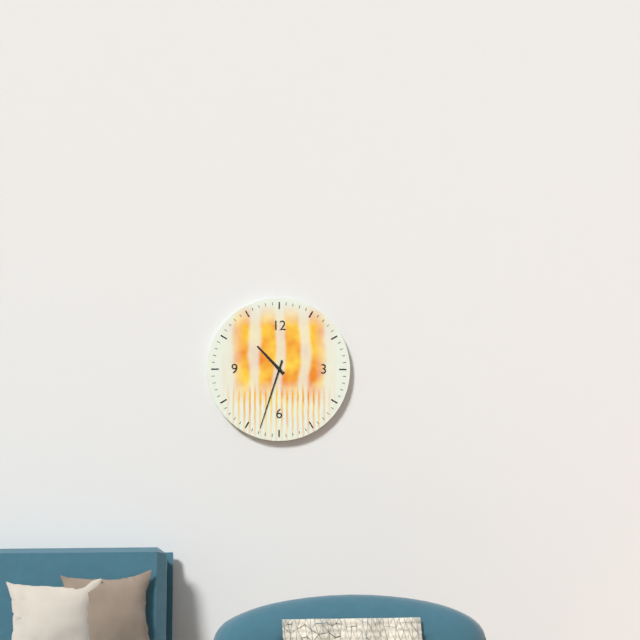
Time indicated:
10h33
